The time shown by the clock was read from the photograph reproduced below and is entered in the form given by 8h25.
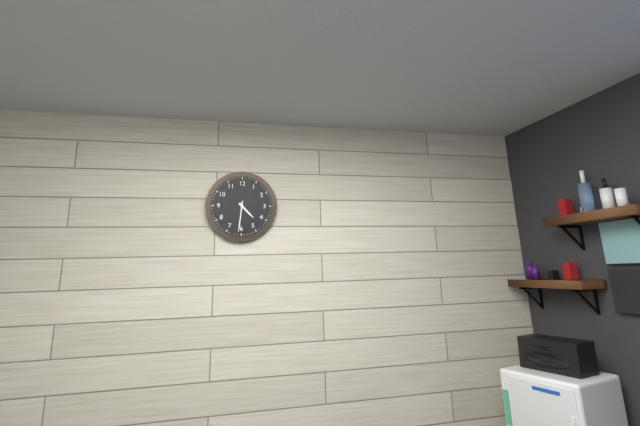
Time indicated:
4h31
